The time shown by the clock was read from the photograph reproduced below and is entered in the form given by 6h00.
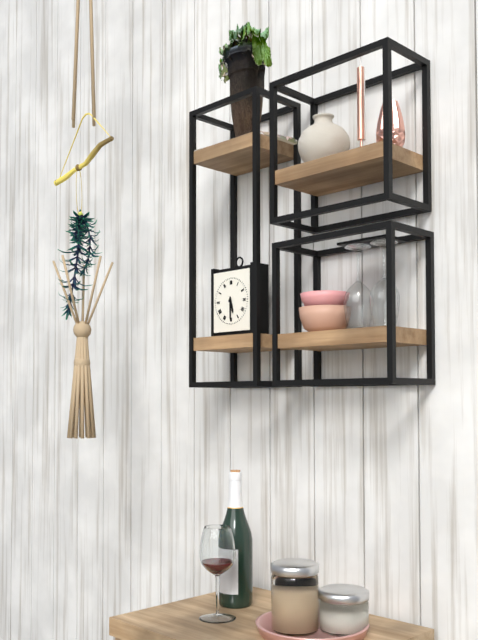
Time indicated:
5h30
